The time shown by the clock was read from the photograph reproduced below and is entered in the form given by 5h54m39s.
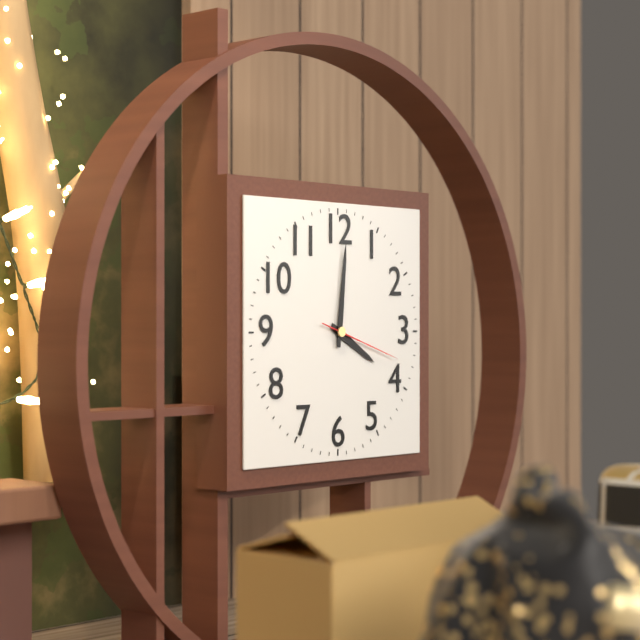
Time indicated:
4h01m18s
